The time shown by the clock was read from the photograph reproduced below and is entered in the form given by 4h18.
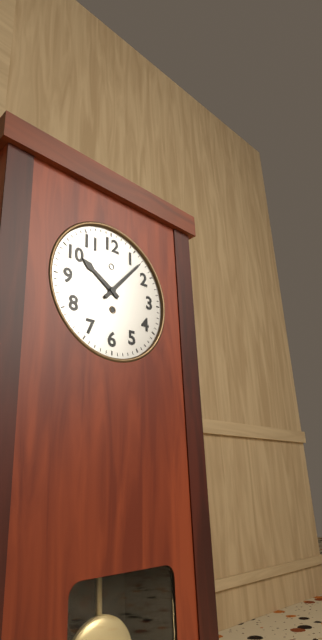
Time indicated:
10h07
